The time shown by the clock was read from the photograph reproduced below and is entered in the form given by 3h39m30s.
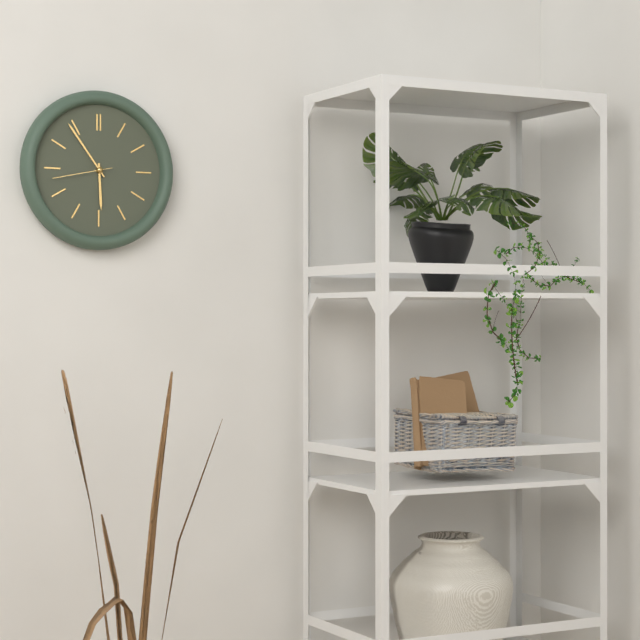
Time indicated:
5h54m43s
